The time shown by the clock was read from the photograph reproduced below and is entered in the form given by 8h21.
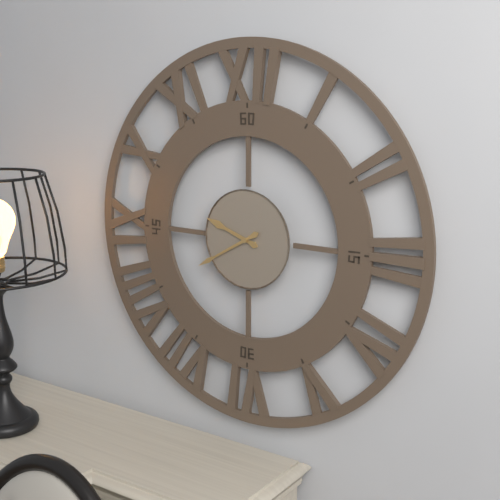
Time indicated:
9h40
